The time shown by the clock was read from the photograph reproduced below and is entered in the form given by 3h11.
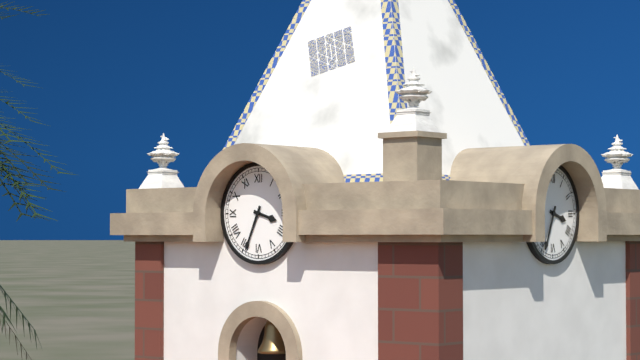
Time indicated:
3h34
